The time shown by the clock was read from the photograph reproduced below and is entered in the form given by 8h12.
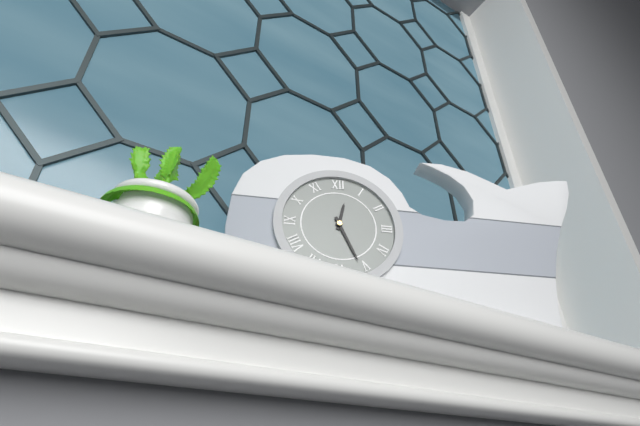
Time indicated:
12h26
